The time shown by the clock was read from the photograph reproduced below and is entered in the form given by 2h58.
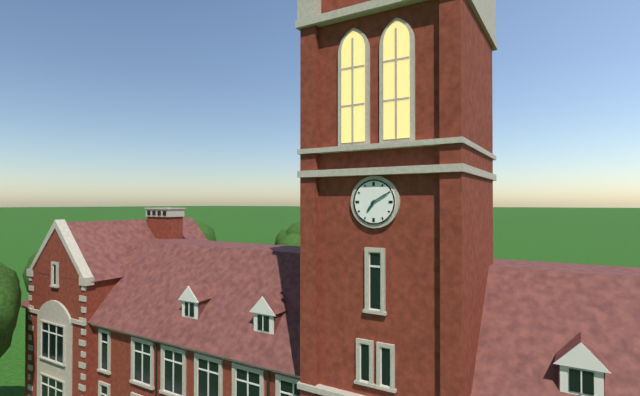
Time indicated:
7h10
